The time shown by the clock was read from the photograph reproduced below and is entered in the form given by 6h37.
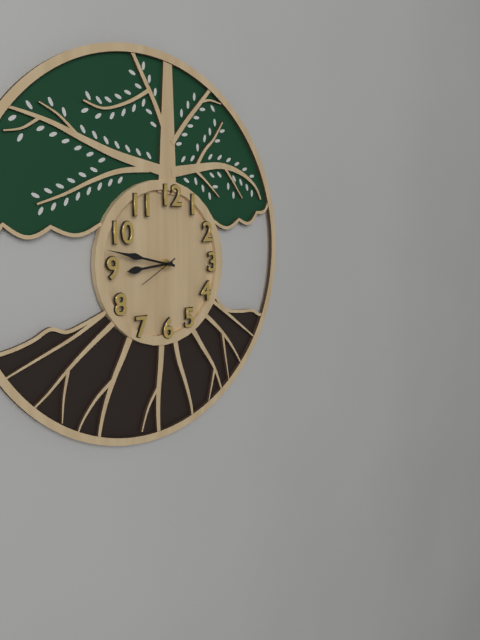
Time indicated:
8h47
